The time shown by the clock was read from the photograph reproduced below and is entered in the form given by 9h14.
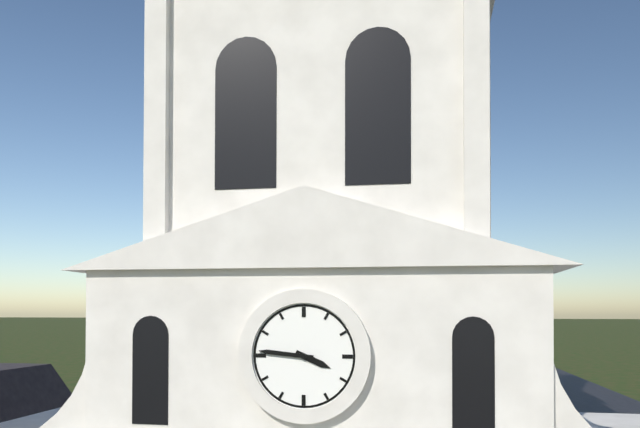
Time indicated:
3h46
